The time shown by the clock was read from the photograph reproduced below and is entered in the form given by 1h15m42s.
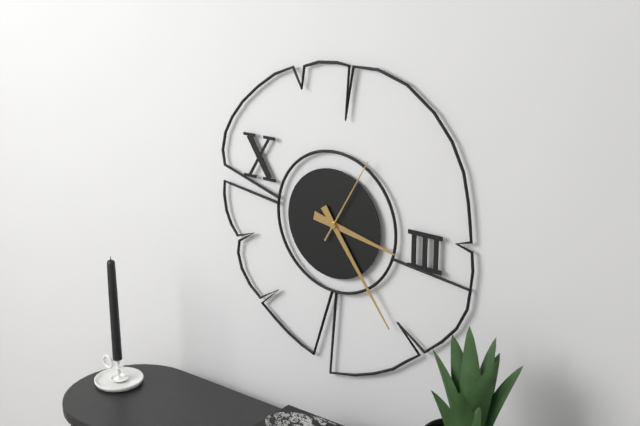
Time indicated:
3h24m05s
